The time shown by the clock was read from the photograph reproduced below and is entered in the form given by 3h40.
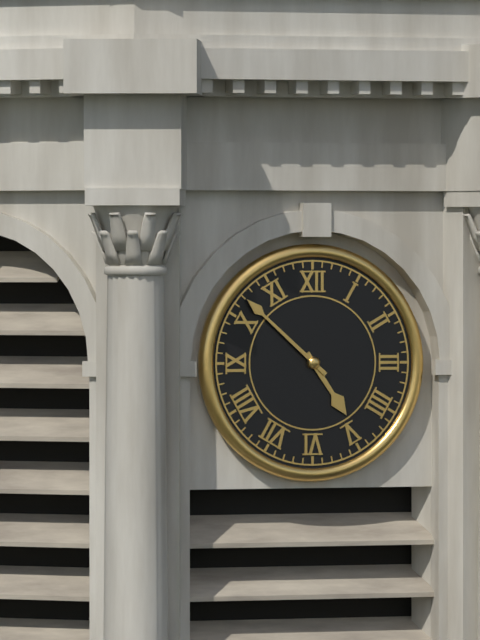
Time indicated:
4h52
